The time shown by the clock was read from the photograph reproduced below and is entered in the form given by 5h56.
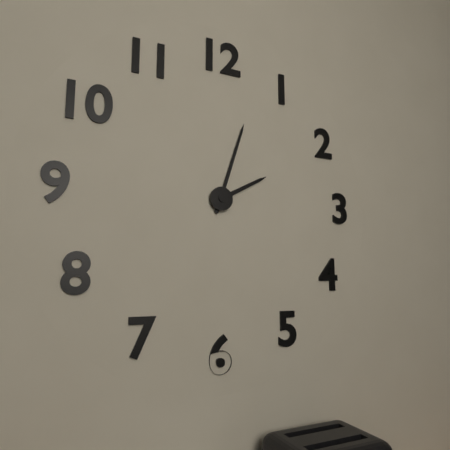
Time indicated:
2h03
